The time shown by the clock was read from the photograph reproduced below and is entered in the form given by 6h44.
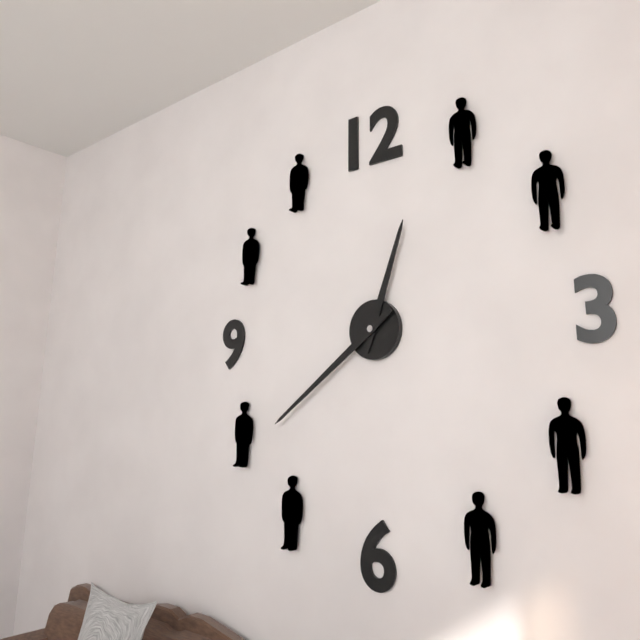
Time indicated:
12h39
